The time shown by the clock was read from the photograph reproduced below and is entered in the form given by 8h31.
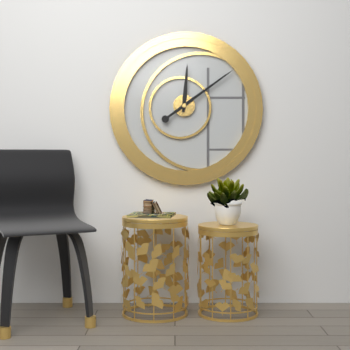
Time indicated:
12h09
